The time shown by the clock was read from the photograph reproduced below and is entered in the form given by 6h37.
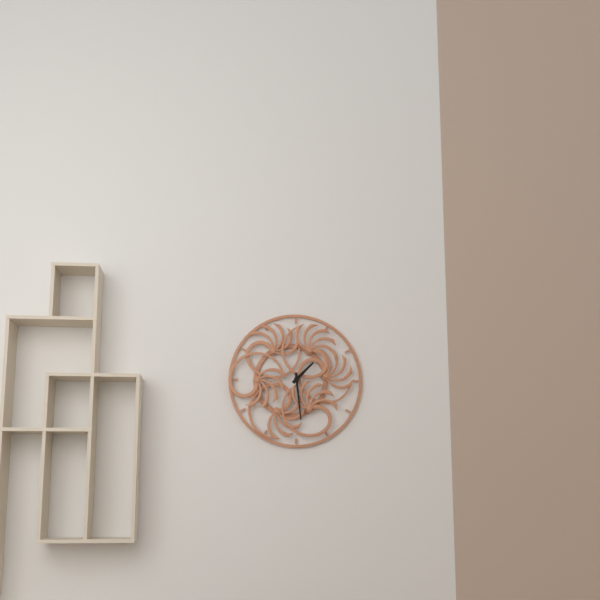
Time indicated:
1h29
